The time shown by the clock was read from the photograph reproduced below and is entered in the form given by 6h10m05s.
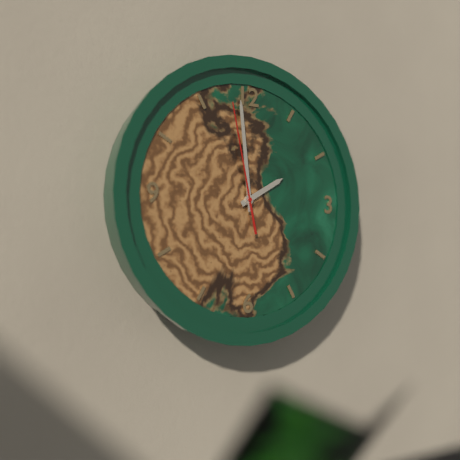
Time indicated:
1h59m58s
